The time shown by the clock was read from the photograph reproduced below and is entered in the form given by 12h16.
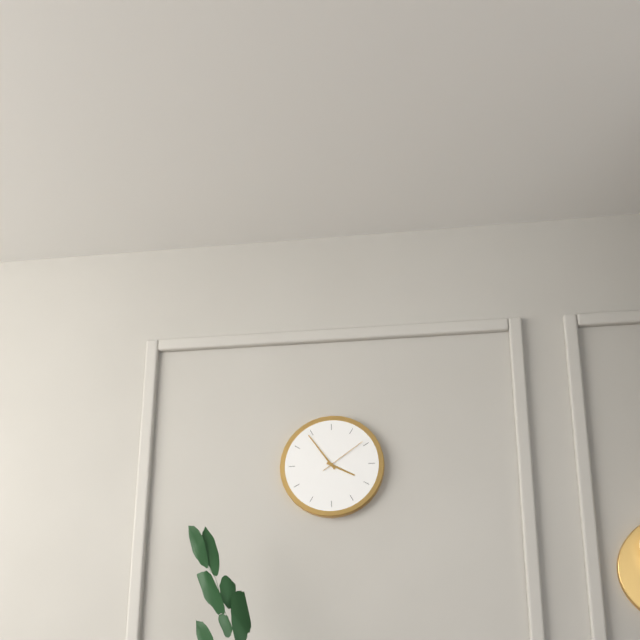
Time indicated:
3h54
